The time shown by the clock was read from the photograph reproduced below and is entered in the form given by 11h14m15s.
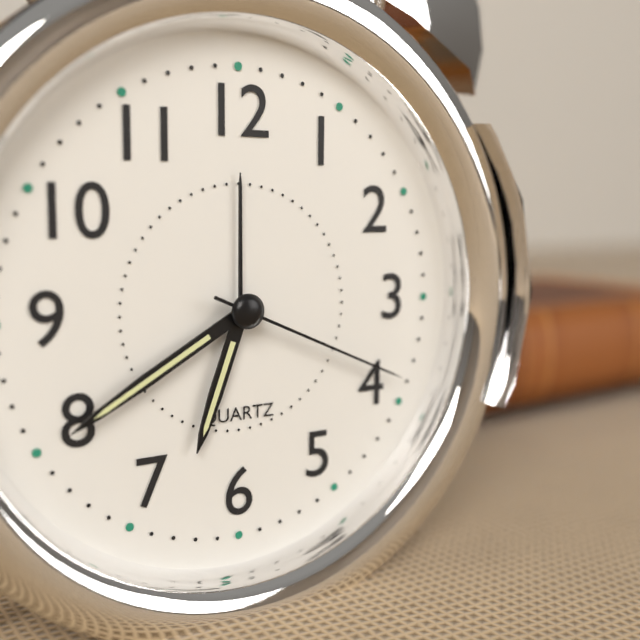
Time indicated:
6h40m19s
